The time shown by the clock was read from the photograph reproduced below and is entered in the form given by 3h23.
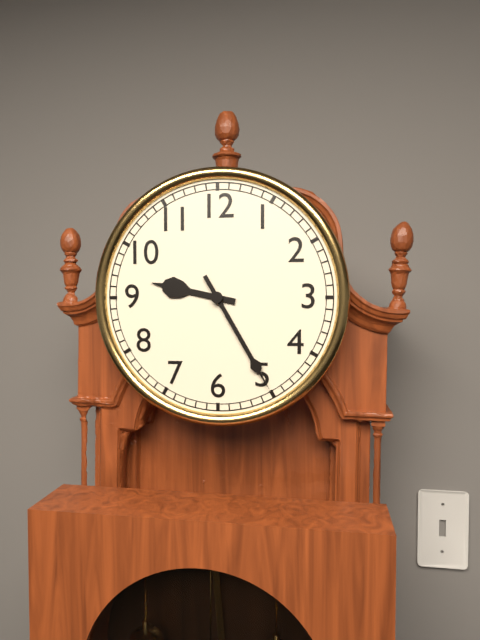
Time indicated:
9h25
